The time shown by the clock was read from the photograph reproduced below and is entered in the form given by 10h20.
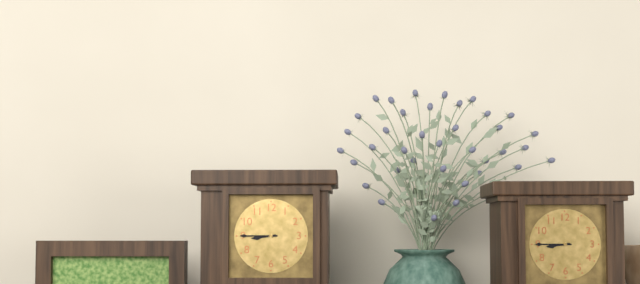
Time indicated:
8h45
